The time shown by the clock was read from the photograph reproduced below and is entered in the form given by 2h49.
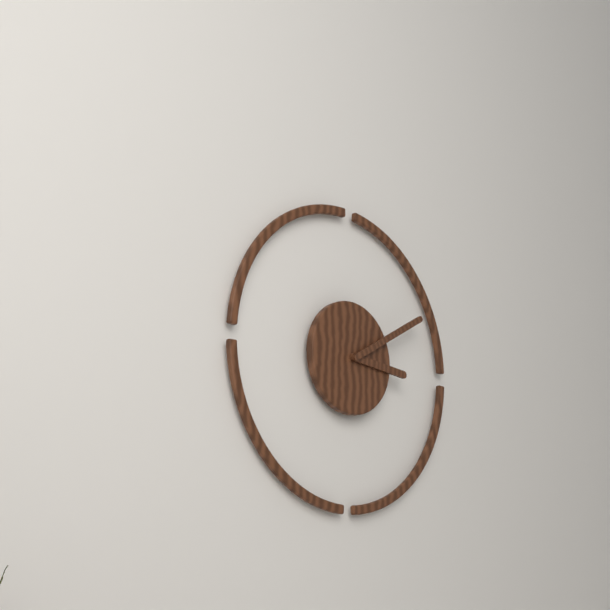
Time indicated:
3h10
